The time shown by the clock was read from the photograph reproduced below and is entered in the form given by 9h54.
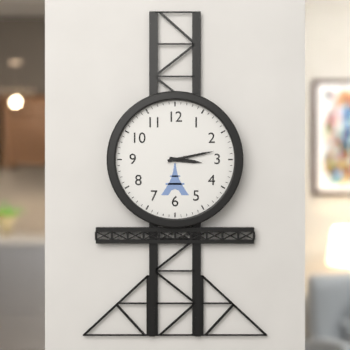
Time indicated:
3h13
